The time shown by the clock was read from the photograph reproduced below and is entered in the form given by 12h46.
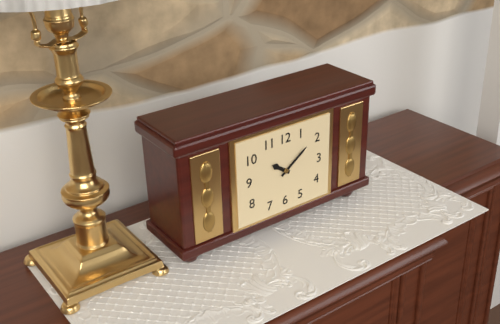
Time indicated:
10h09
